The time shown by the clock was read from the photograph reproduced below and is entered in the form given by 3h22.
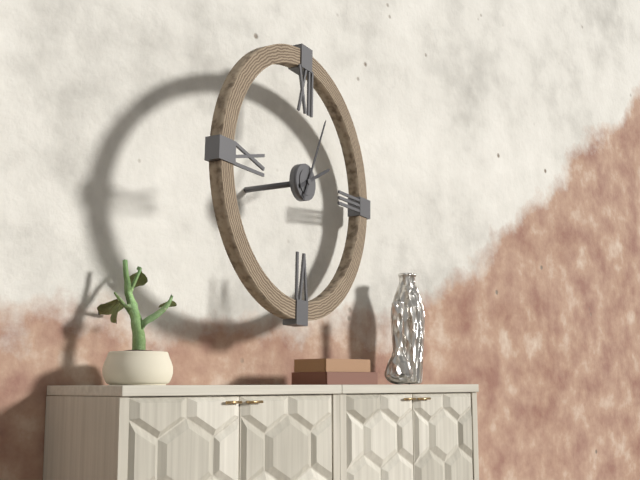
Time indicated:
2h04
